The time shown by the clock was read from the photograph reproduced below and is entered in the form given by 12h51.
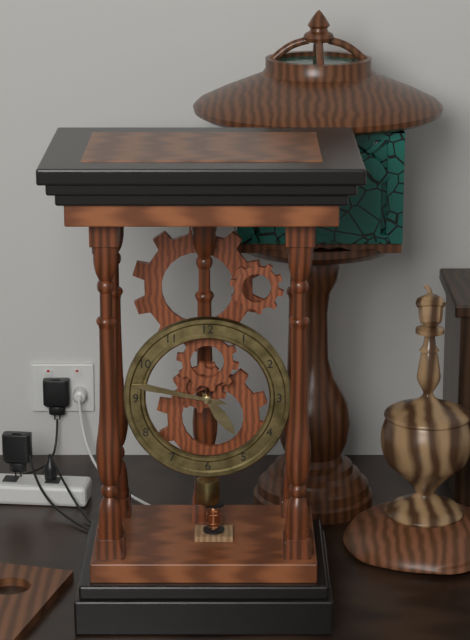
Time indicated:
4h47
